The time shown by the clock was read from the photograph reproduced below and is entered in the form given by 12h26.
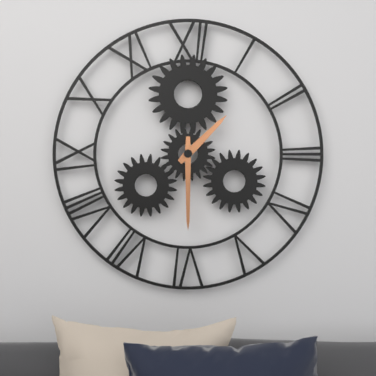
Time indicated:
1h30
